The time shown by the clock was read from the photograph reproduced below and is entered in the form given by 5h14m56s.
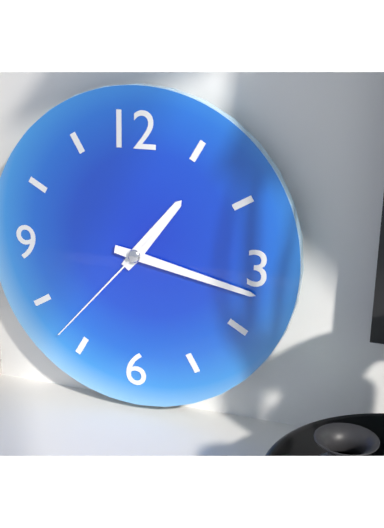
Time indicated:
1h17m37s
